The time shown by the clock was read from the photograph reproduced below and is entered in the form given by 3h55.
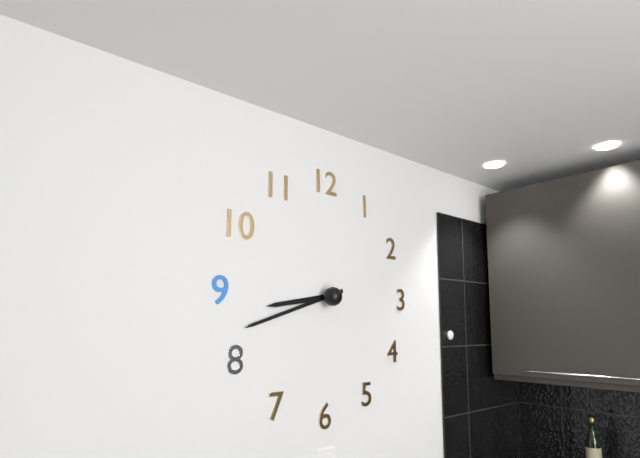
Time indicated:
8h42
